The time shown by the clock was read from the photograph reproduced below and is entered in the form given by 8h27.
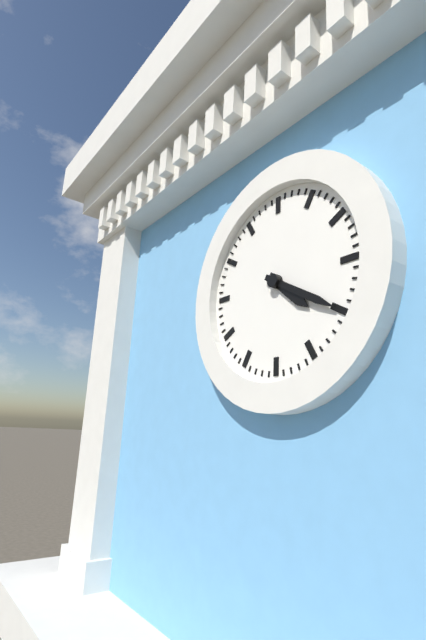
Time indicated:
4h20
